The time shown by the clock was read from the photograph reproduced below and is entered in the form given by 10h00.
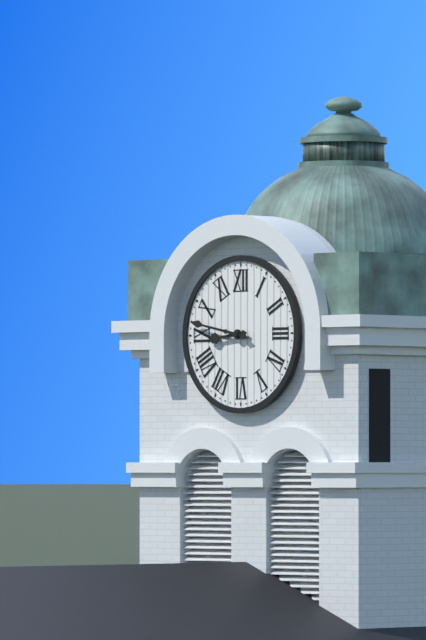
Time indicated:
8h47
